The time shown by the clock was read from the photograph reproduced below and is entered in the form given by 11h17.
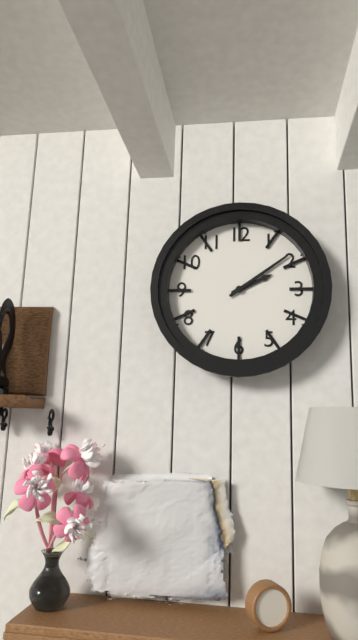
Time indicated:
2h09
